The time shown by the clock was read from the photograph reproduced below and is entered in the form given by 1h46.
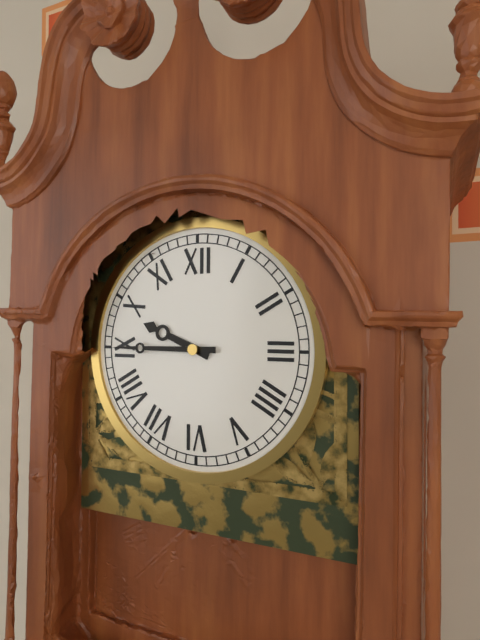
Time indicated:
9h45
